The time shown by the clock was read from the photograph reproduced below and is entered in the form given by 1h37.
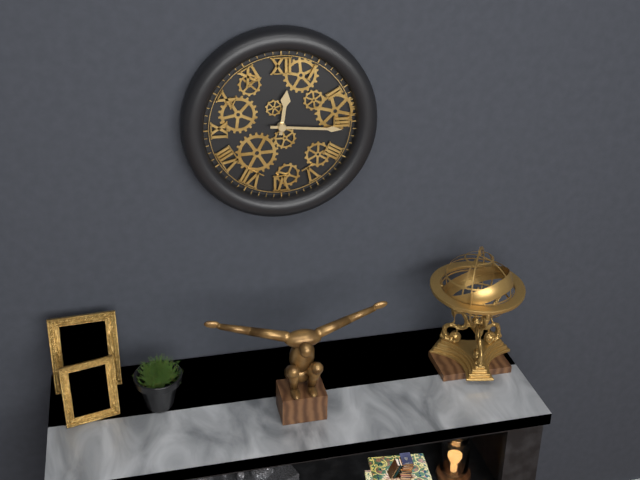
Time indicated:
12h16
